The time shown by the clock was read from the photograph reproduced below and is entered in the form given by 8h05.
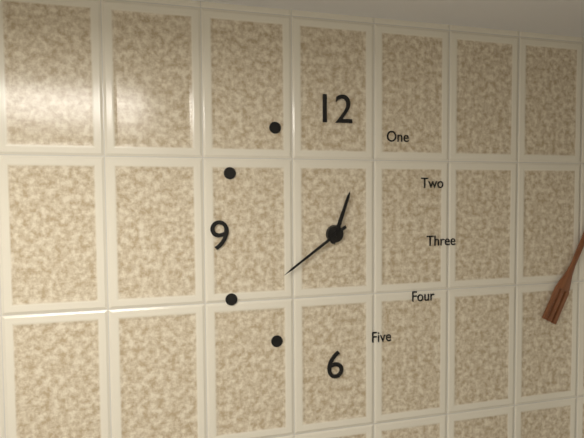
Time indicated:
12h39
